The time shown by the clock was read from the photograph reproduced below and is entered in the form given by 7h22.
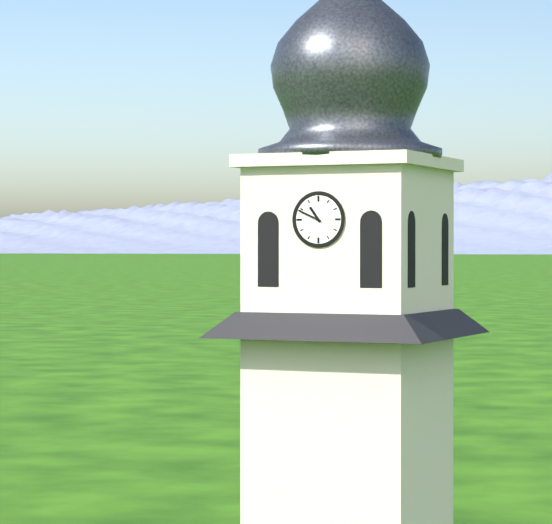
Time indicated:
10h49
